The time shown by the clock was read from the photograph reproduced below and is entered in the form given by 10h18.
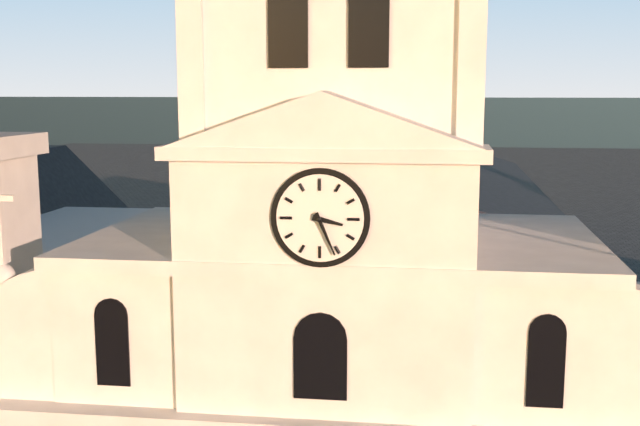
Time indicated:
3h26
